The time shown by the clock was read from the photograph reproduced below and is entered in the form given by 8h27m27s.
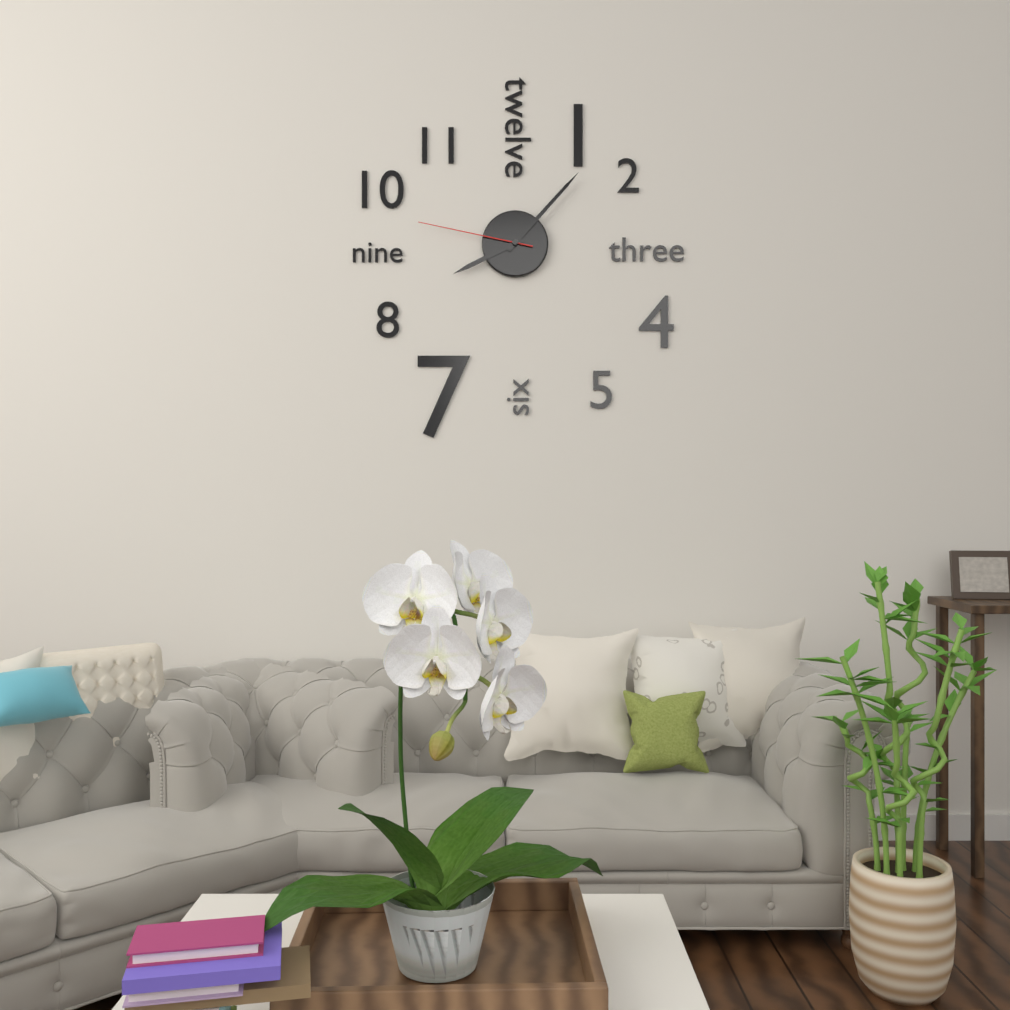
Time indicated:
8h07m47s
